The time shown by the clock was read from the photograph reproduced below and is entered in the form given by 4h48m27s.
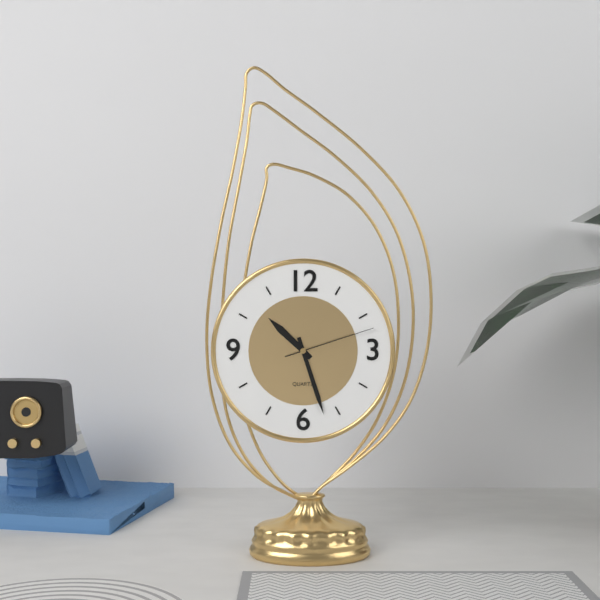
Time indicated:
10h27m12s
